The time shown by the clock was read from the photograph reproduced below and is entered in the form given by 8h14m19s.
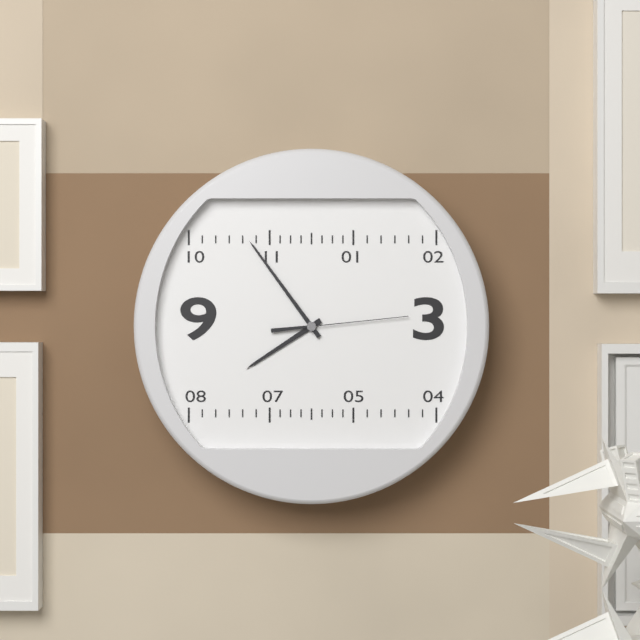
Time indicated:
7h54m14s
